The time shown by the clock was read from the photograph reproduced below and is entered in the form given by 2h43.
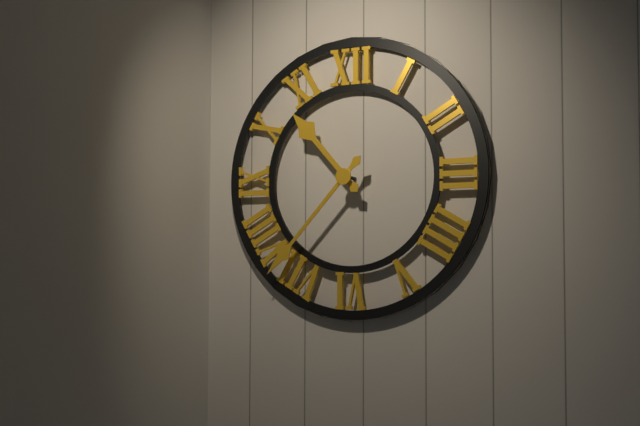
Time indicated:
10h37
